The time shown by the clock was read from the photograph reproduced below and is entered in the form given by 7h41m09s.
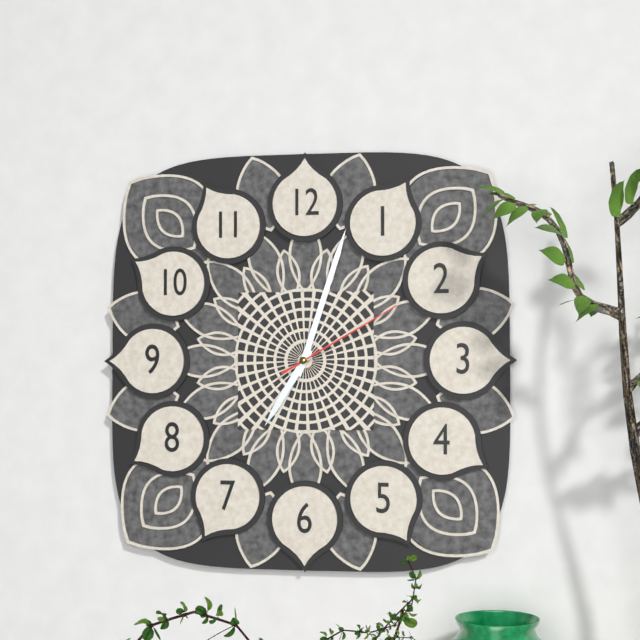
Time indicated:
7h03m10s
